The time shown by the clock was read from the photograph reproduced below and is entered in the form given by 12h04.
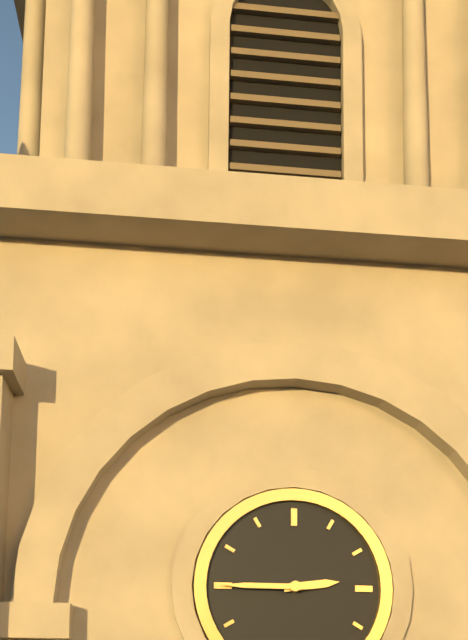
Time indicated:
2h45
